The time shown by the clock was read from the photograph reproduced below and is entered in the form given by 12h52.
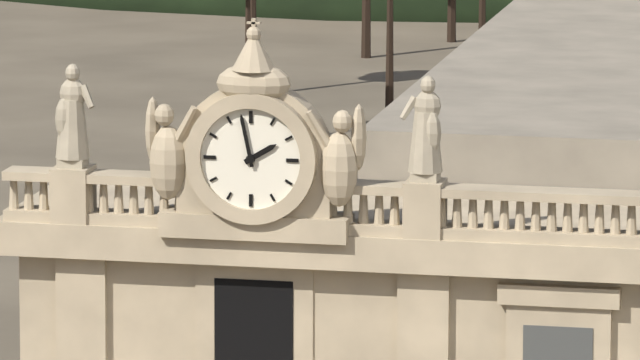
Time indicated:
1h58
